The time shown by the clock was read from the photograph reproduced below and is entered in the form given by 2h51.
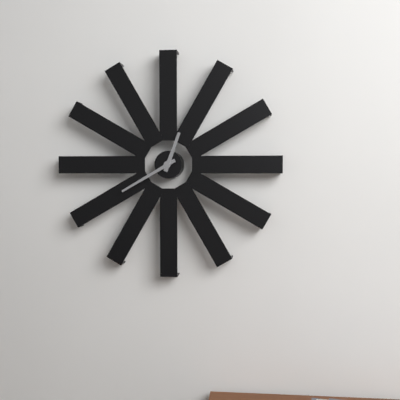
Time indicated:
12h40
